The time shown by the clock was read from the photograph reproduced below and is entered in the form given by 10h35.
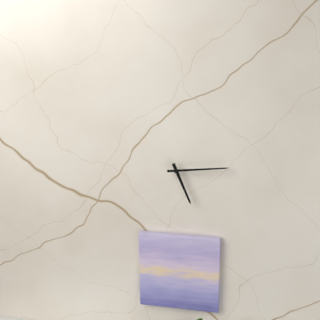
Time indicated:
5h14
